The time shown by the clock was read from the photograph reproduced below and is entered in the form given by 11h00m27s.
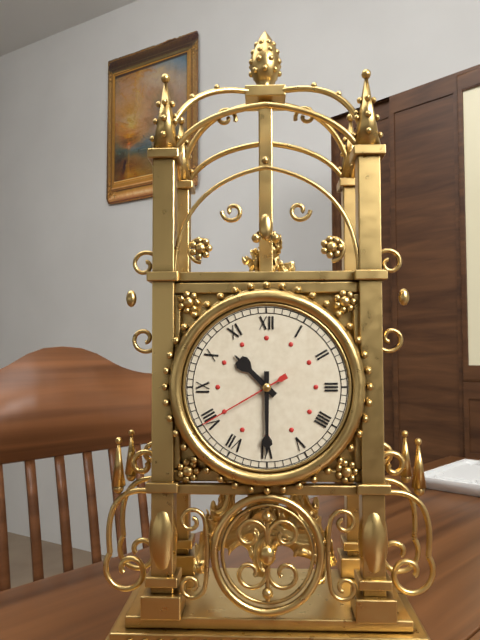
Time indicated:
10h30m40s
